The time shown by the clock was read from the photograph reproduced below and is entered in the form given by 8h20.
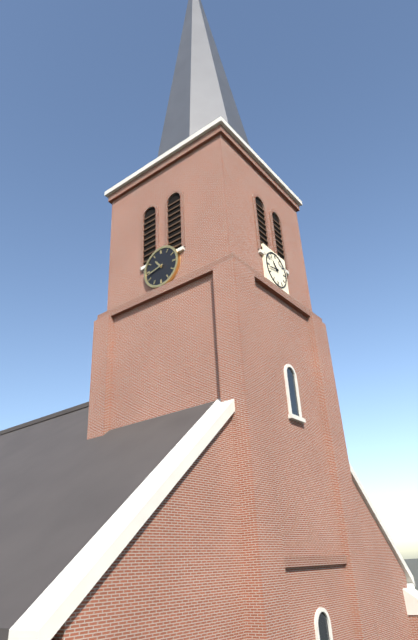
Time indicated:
10h43
